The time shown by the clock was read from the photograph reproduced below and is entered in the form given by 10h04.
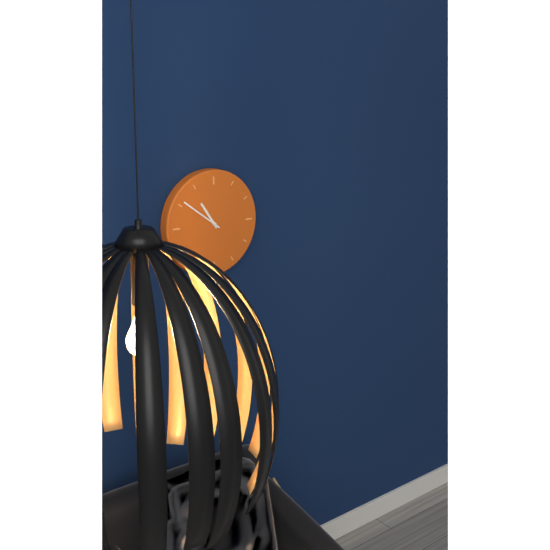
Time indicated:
10h51
